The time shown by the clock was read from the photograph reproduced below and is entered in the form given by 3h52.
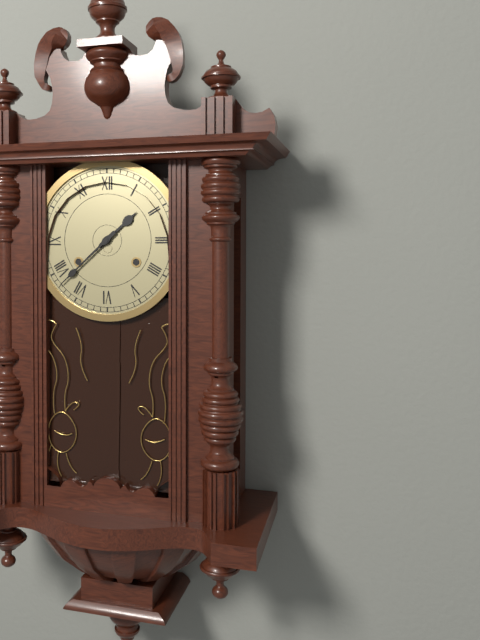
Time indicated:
1h38
